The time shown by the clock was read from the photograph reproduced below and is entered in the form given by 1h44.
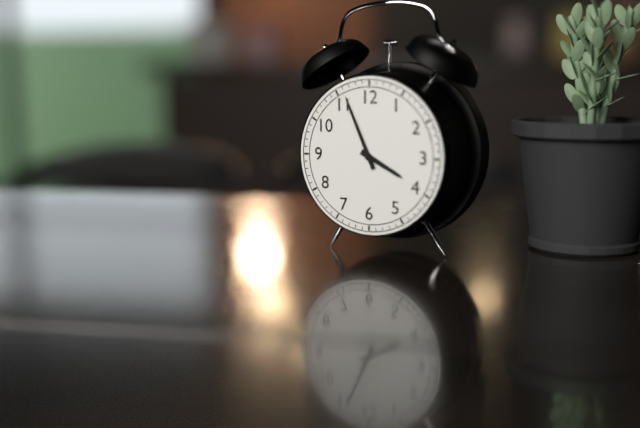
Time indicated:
3h56
